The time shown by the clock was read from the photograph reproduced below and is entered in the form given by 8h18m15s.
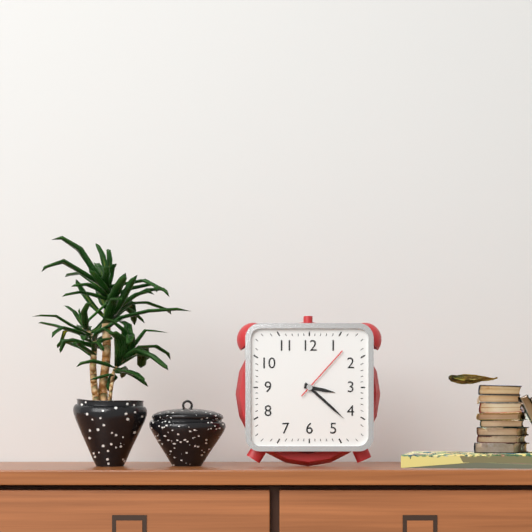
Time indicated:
3h22m07s
